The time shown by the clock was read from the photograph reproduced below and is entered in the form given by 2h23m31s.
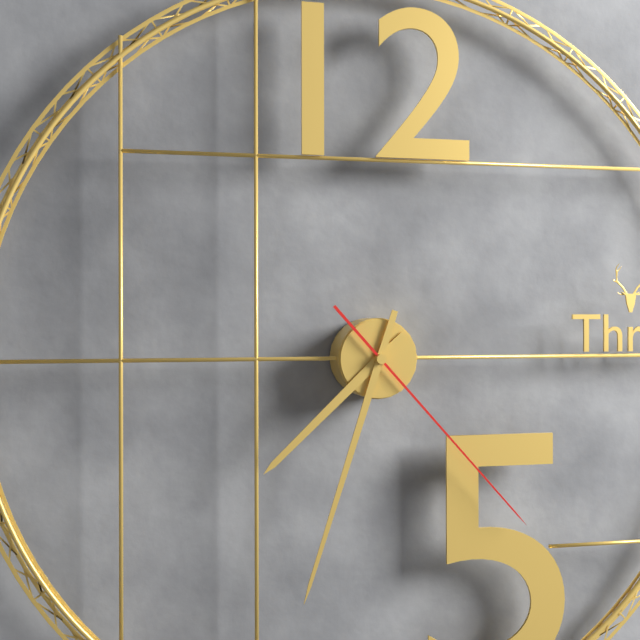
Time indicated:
7h33m23s
